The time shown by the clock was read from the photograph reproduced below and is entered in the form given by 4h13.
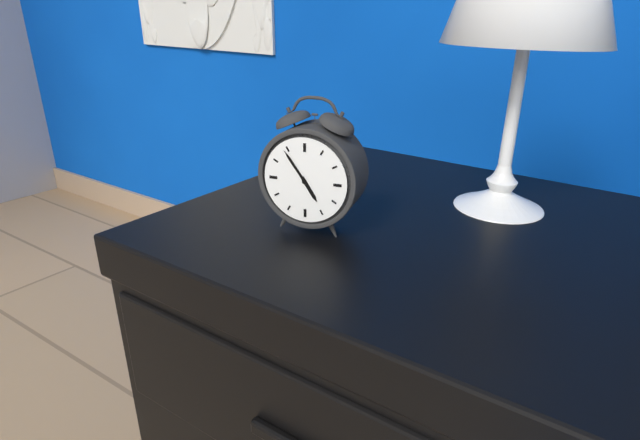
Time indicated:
4h54
